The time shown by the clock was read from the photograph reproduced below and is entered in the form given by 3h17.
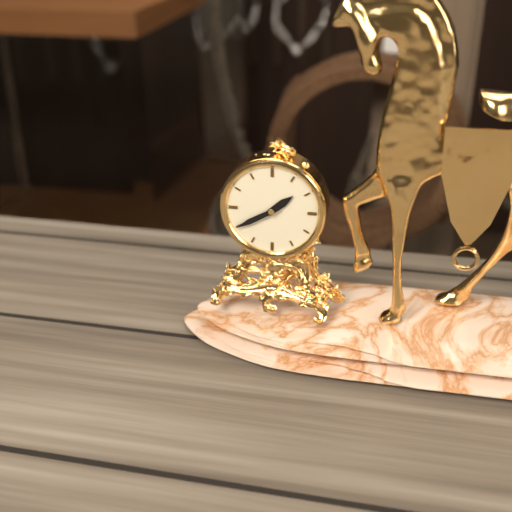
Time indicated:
1h40
